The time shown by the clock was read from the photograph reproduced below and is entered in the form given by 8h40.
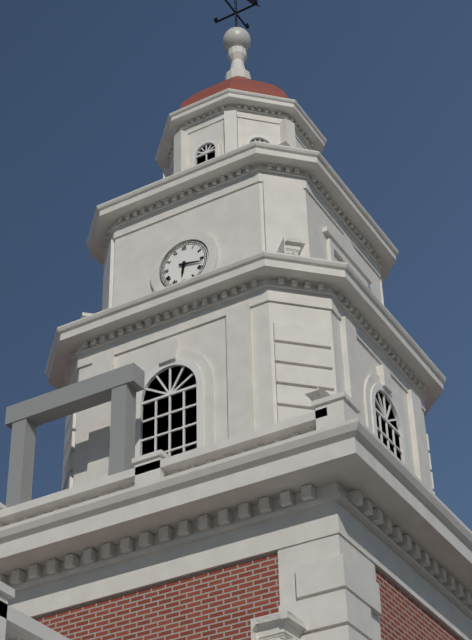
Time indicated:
6h17
